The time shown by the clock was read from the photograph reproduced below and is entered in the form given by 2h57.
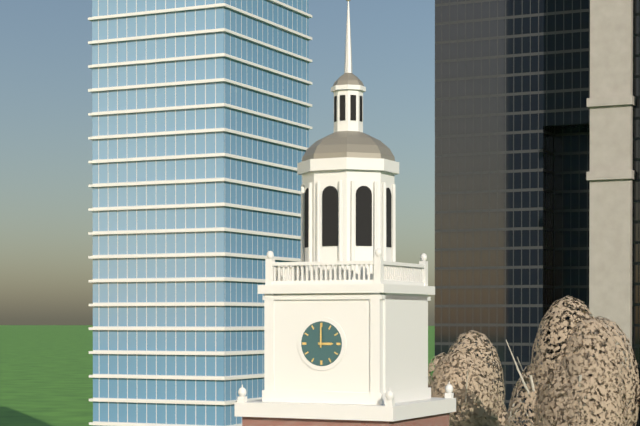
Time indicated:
3h00
